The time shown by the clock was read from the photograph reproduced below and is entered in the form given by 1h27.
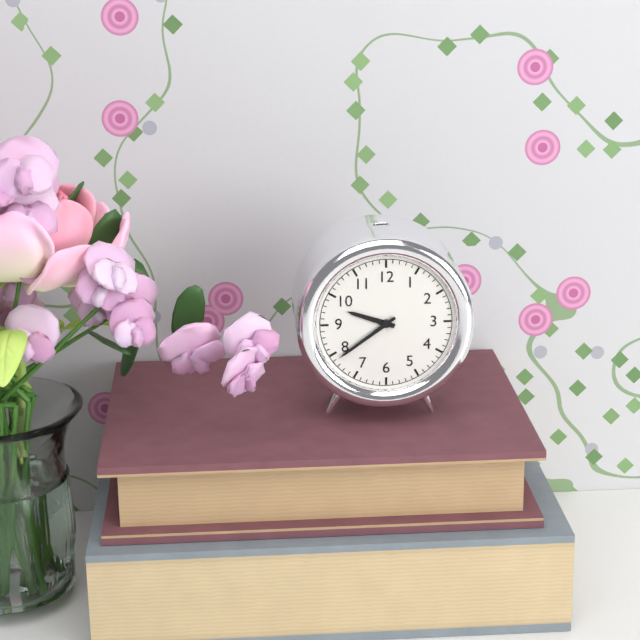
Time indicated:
9h39
